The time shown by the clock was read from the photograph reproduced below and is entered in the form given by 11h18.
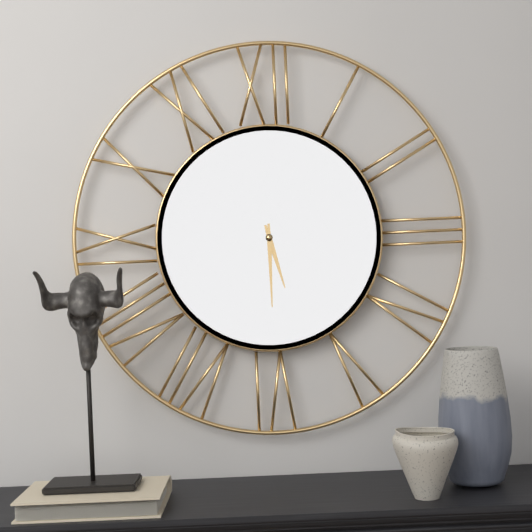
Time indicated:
5h30
